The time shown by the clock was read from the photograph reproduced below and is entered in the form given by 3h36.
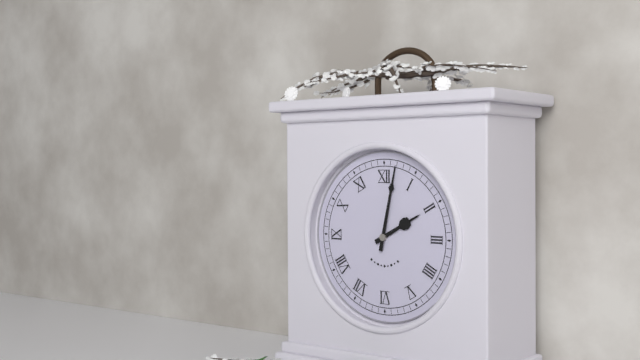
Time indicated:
2h02
